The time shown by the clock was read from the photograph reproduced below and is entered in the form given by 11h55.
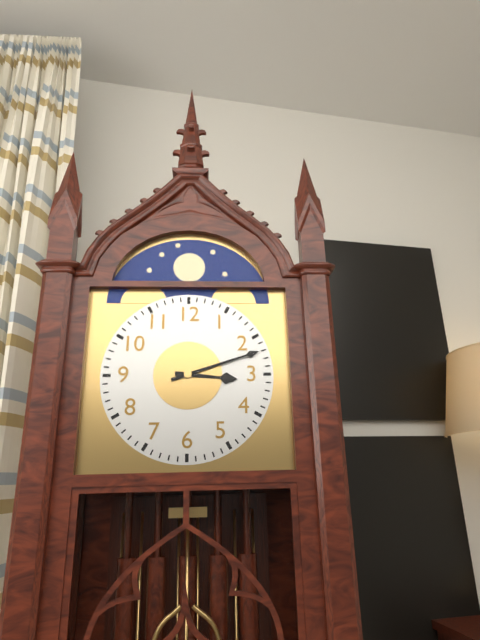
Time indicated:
3h12
